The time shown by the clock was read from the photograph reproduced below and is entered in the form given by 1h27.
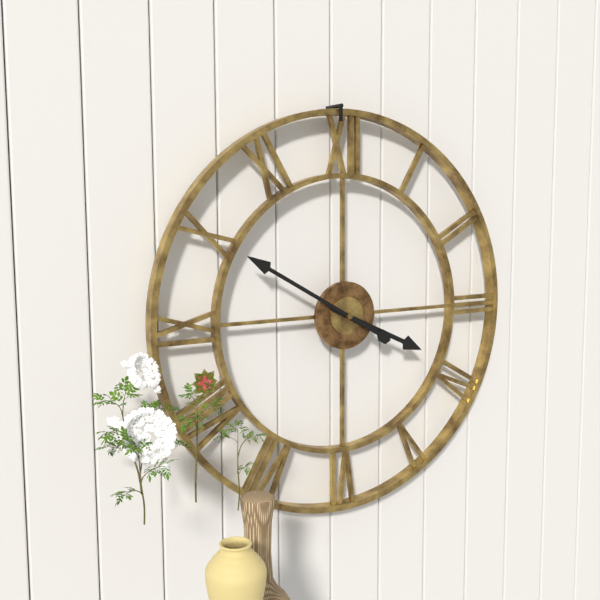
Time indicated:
3h50
